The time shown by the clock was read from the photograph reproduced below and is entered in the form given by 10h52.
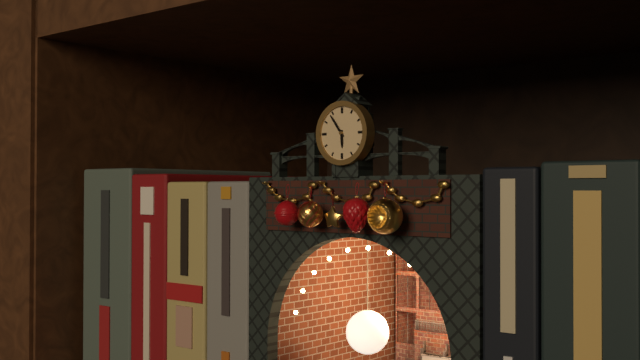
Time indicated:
5h54
